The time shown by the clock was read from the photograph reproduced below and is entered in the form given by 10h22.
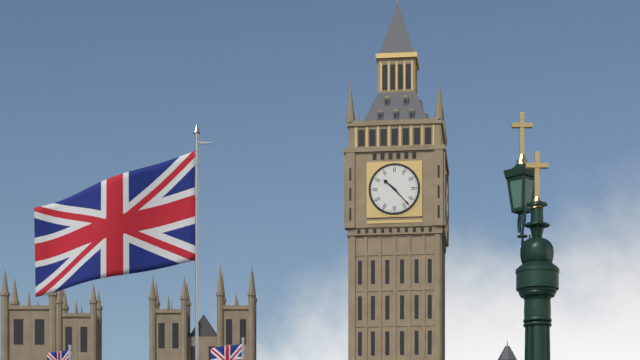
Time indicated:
10h23
